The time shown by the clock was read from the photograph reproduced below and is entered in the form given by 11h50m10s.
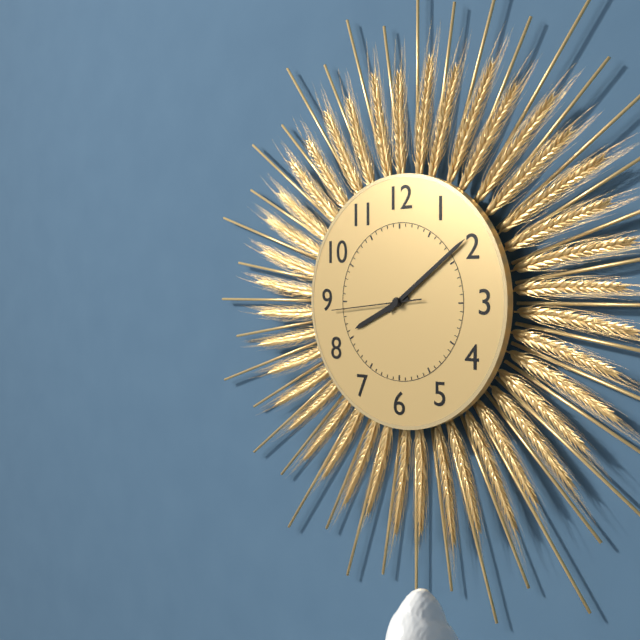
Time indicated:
8h09m44s
